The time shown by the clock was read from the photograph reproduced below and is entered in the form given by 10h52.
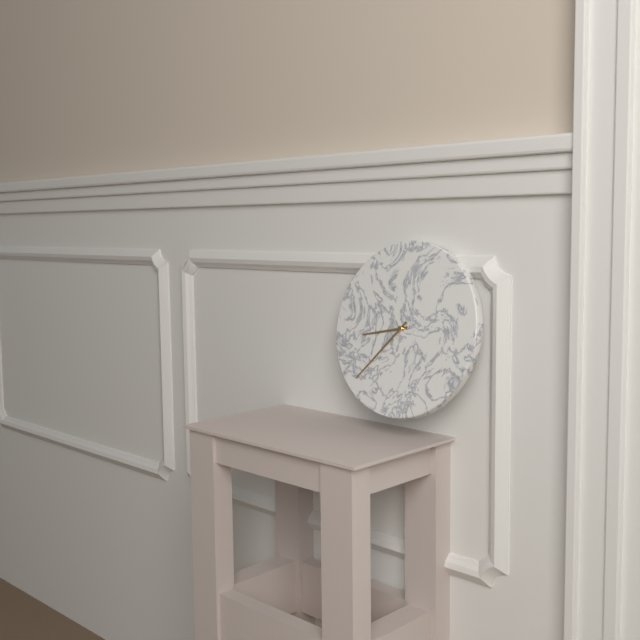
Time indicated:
8h37
